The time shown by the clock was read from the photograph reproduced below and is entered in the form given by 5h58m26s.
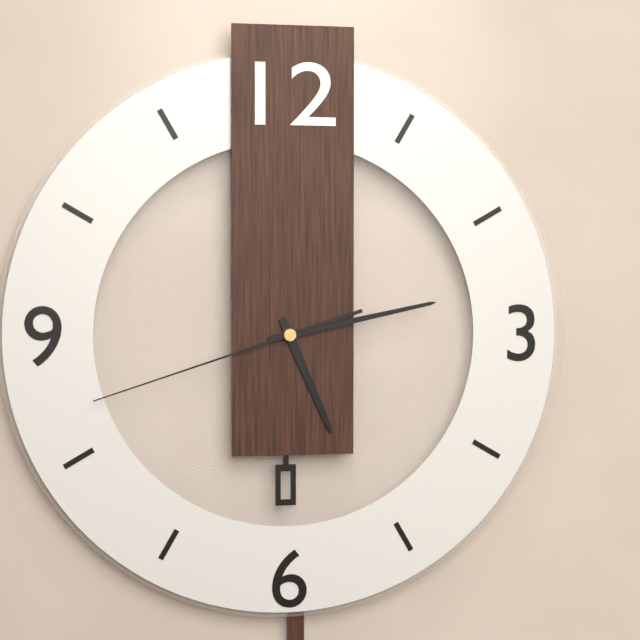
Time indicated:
5h13m42s
